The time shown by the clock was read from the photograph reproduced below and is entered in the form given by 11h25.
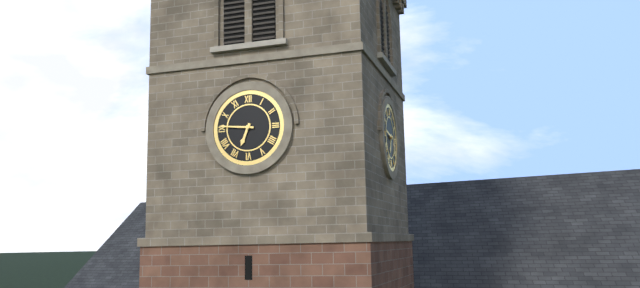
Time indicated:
6h46
